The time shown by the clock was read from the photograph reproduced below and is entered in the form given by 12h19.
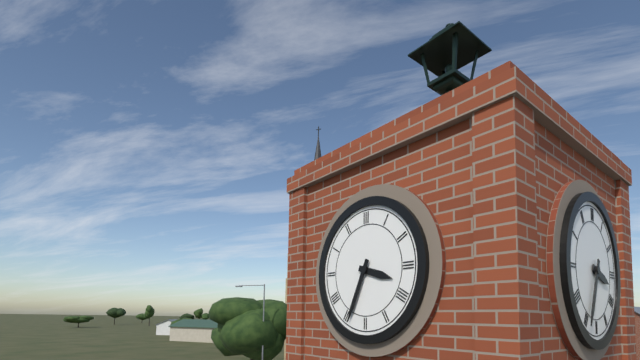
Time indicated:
3h34
